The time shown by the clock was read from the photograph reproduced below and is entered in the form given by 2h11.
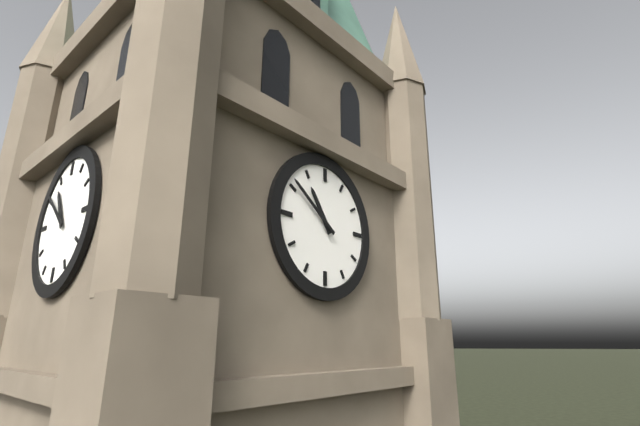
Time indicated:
10h51
